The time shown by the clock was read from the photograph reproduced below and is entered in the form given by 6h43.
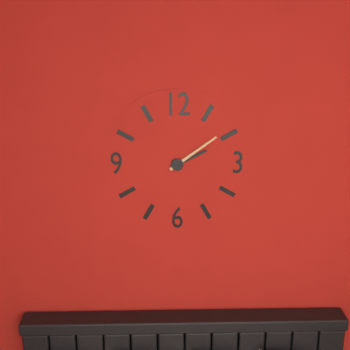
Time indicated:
2h09
